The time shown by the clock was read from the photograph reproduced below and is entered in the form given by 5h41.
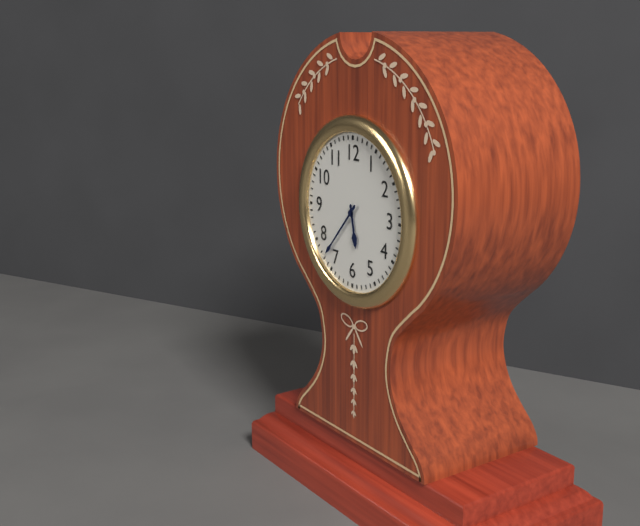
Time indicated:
5h37
